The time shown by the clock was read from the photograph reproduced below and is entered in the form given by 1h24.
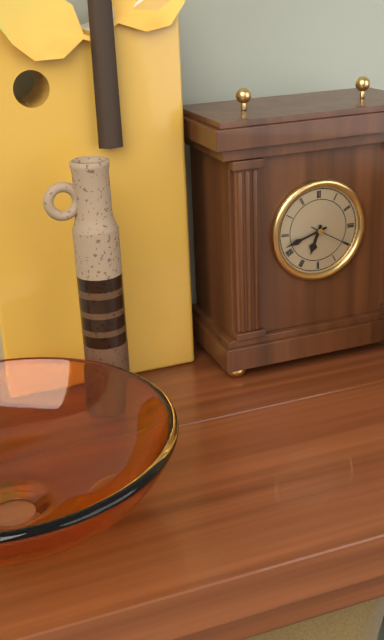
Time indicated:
6h42
